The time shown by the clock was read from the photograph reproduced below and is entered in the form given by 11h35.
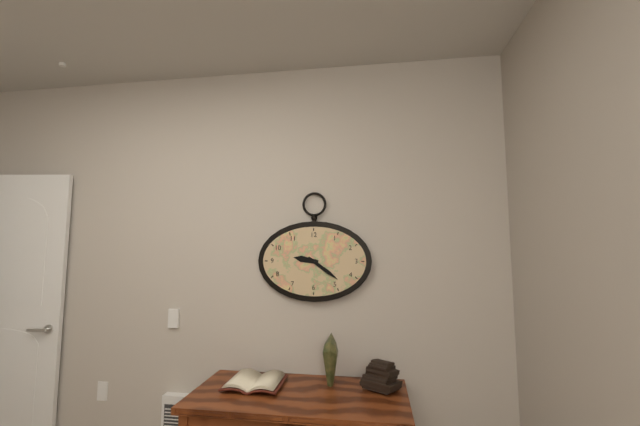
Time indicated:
9h21
